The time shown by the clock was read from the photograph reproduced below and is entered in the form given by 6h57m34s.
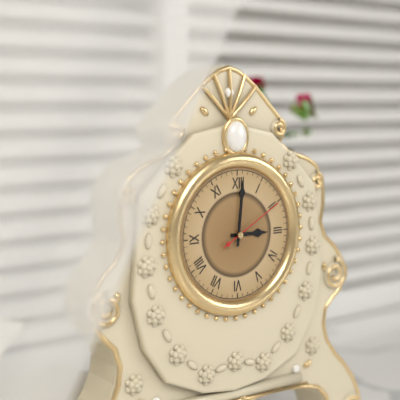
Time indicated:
3h01m10s
